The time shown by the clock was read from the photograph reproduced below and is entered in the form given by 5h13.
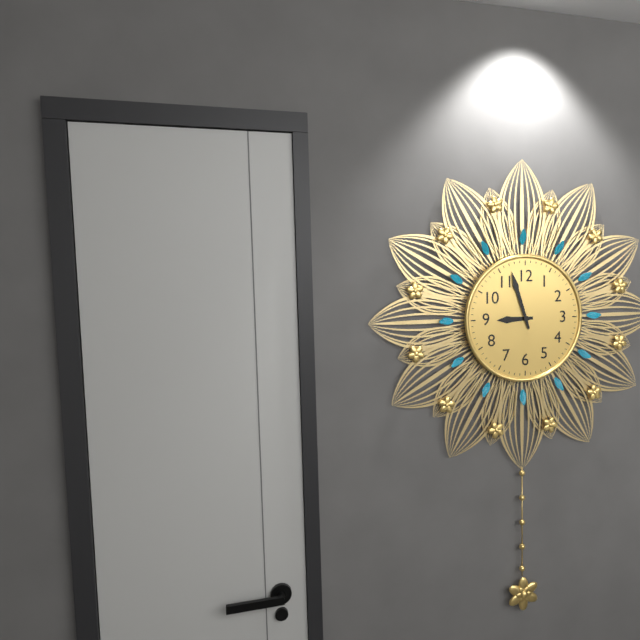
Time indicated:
8h57
